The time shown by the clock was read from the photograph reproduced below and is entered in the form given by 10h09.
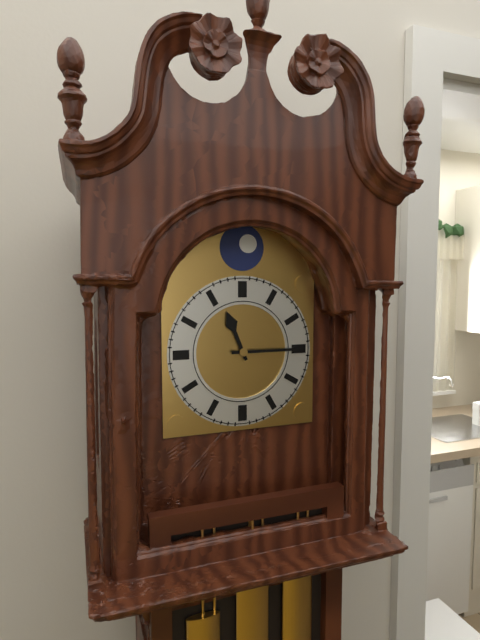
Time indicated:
11h15
